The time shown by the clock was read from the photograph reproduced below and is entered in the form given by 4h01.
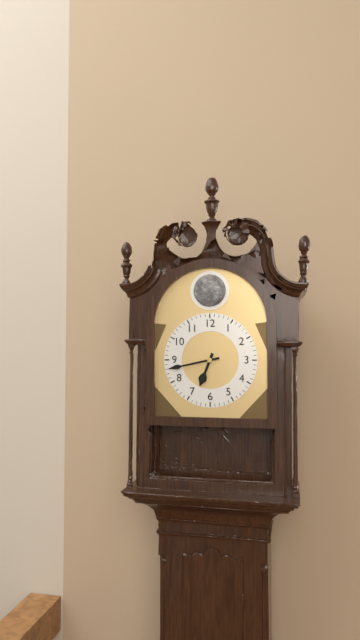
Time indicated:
6h43
